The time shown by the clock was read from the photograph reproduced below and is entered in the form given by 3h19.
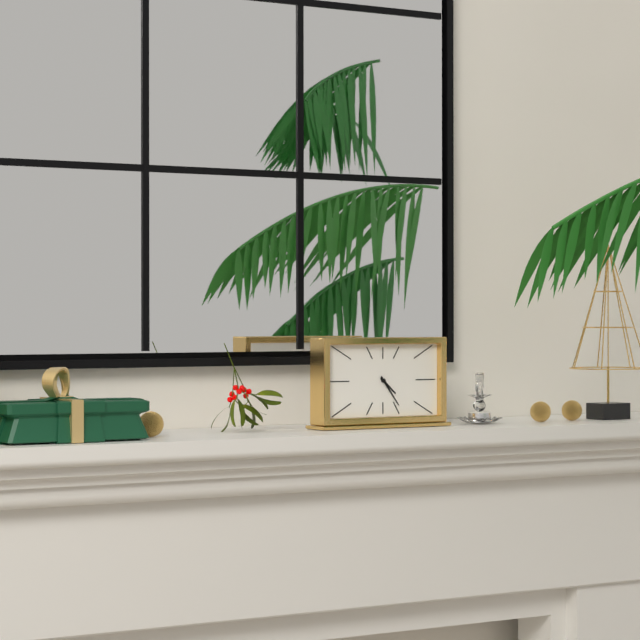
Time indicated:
4h24
